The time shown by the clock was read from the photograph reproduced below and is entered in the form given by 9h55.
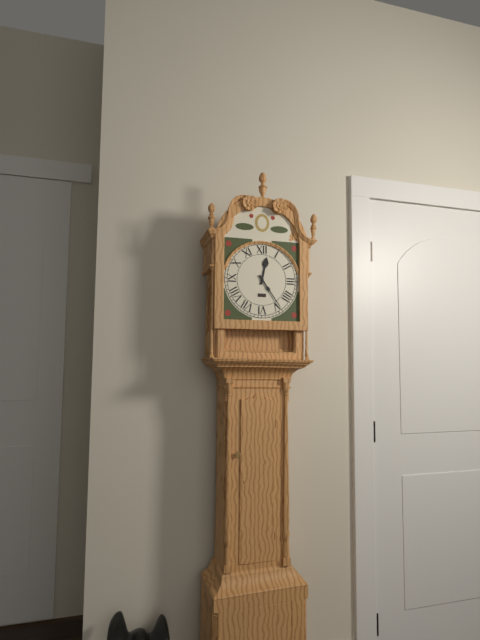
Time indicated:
12h24
